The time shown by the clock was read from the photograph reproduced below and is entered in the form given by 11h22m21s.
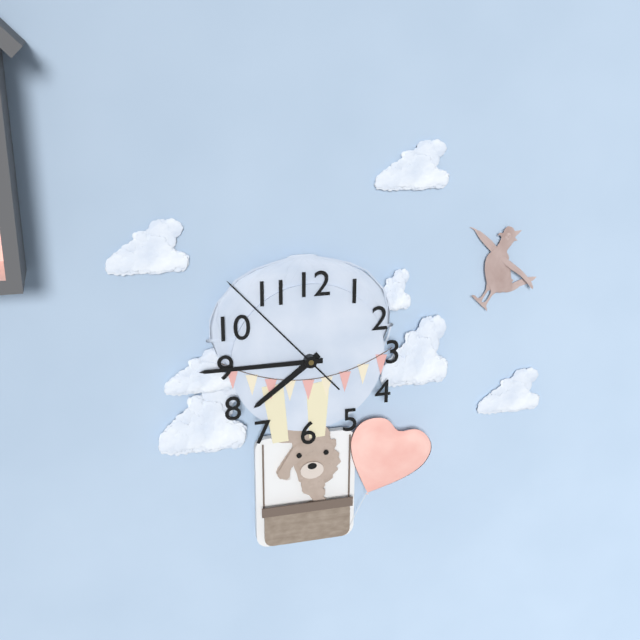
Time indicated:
7h45m53s
